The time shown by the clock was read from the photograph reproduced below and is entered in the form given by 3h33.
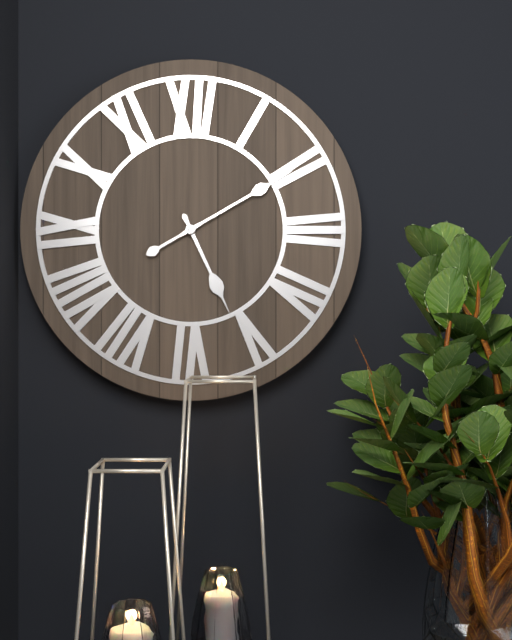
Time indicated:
5h10
